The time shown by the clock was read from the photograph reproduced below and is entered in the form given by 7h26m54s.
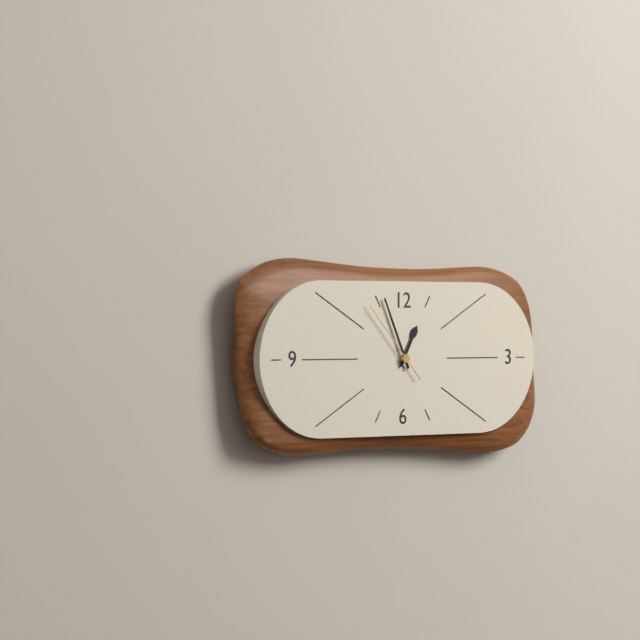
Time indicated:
12h56m53s
